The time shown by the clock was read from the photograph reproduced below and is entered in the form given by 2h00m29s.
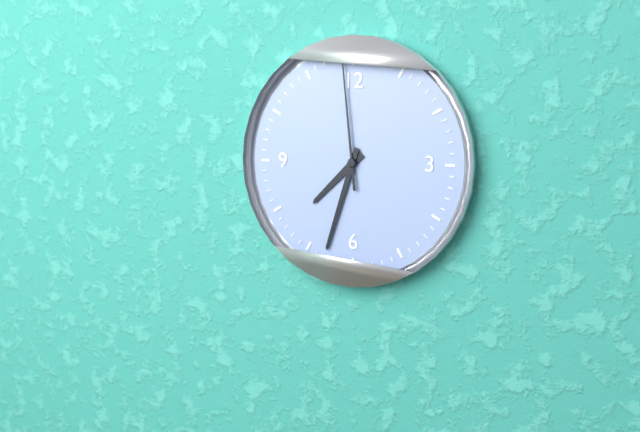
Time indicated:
7h33m59s
